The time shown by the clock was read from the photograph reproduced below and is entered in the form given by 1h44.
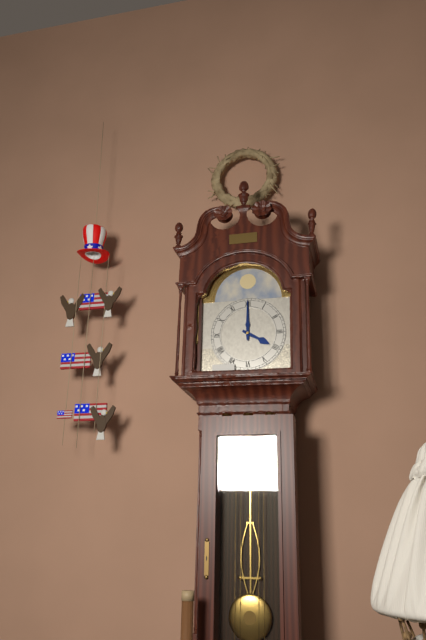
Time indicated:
4h00
